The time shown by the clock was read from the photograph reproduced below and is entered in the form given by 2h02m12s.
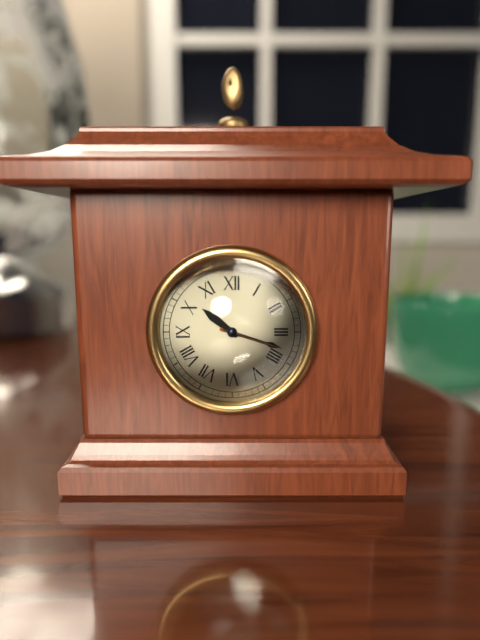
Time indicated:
10h18m18s
